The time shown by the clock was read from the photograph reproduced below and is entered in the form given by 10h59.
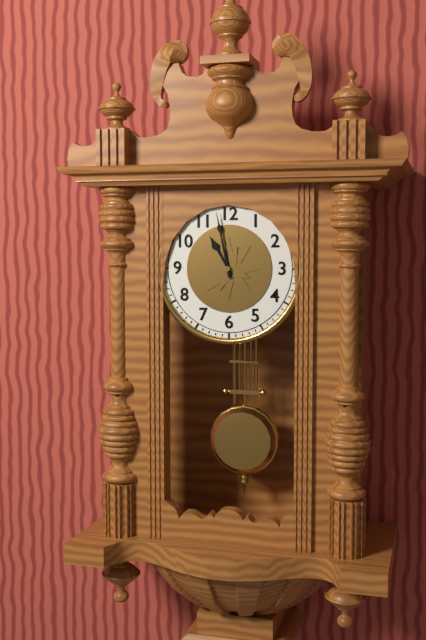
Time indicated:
10h58
